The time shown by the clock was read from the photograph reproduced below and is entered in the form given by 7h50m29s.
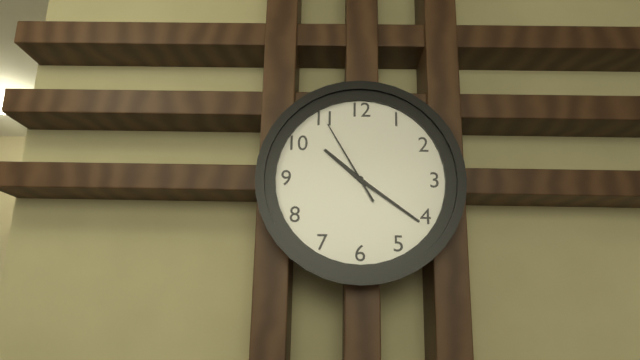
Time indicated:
10h21m55s
